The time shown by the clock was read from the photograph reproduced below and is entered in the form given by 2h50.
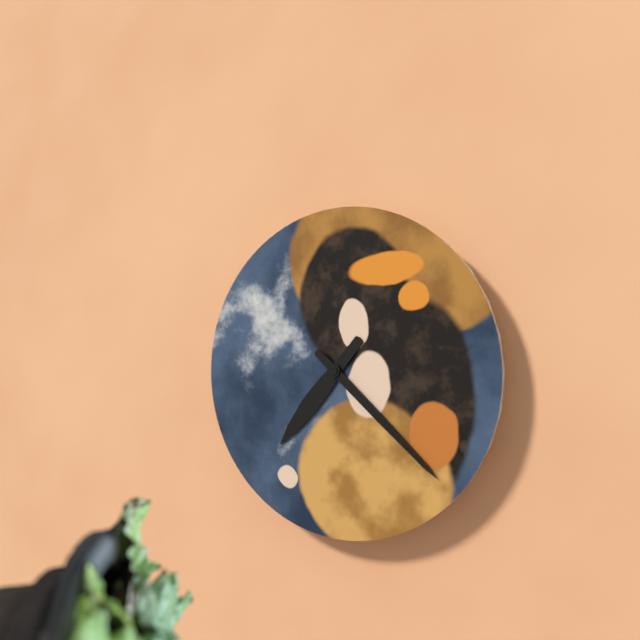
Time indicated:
7h22
